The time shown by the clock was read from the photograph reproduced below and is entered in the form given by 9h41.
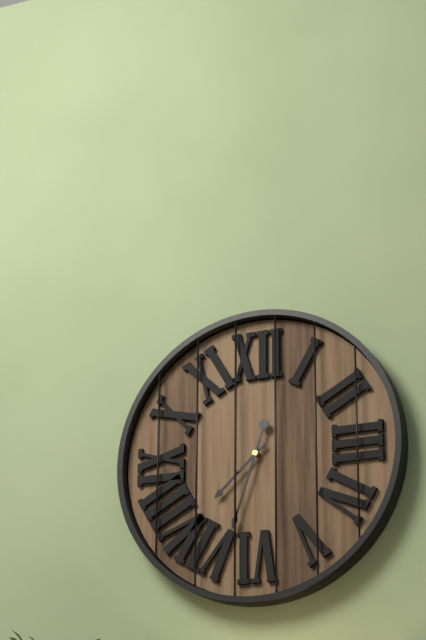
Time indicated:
7h33
